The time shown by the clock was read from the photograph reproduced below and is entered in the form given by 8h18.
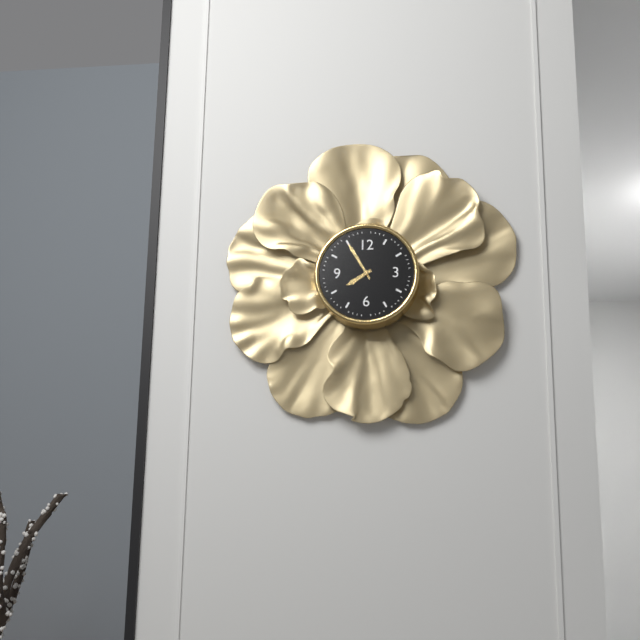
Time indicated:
7h55
